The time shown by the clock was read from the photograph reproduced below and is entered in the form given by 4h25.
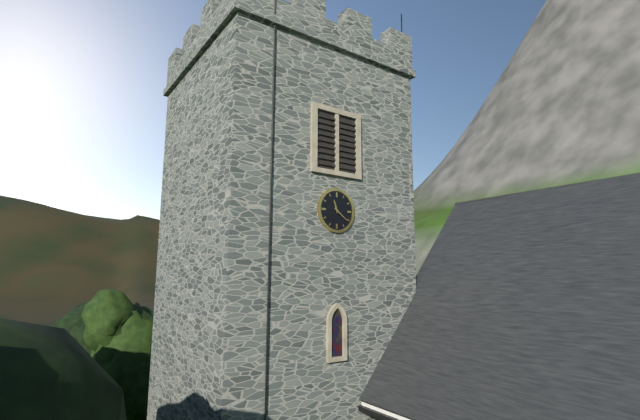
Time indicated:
11h21
